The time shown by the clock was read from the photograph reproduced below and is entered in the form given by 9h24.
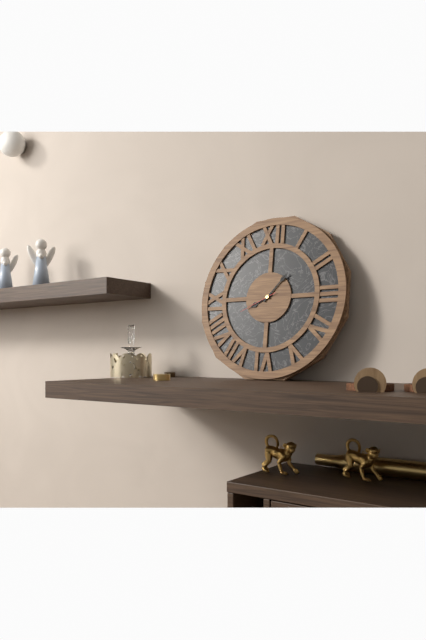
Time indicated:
8h07
